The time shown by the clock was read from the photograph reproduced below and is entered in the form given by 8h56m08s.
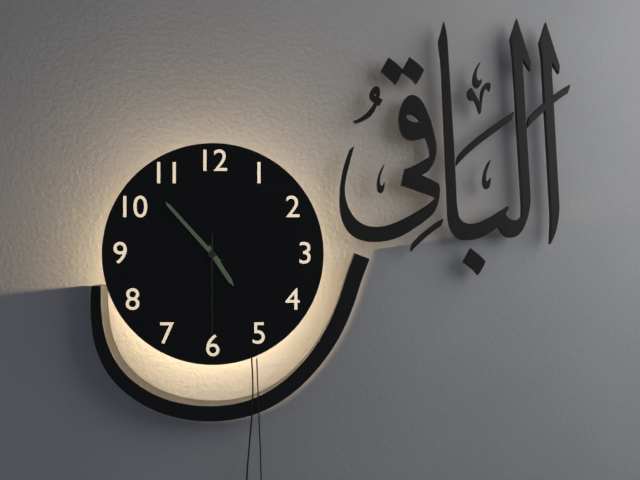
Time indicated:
4h53m30s
